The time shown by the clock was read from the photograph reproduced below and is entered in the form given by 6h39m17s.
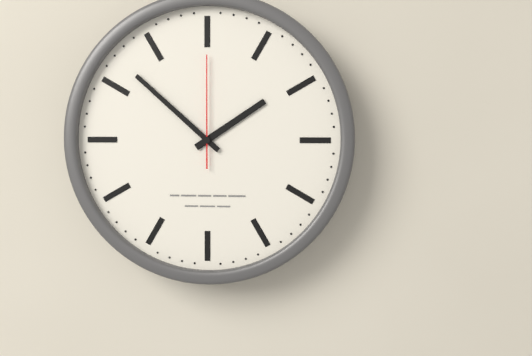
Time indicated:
1h52m00s
